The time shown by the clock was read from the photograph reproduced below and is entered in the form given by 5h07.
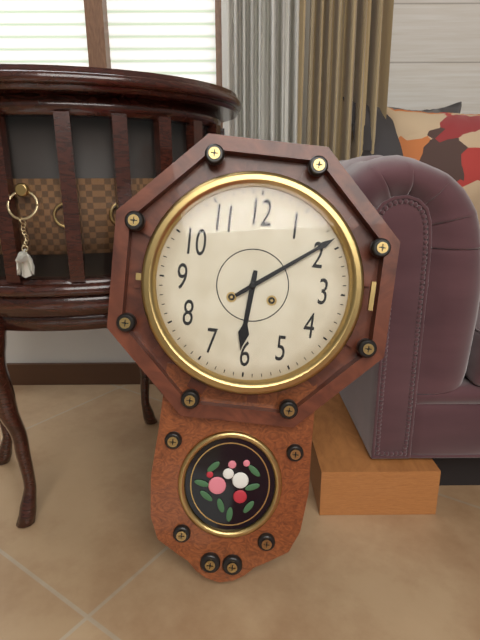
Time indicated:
6h09
